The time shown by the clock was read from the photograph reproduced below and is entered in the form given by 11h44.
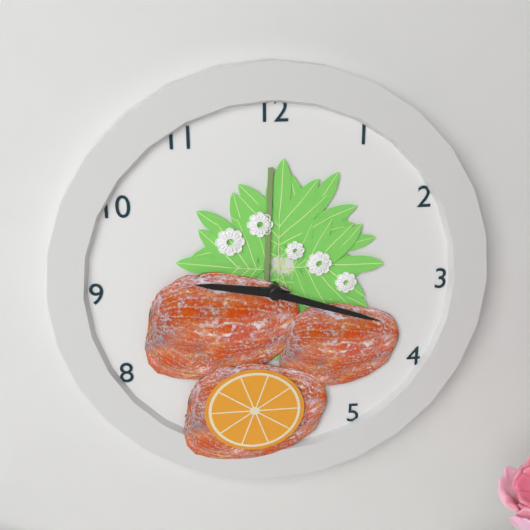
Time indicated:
9h18
